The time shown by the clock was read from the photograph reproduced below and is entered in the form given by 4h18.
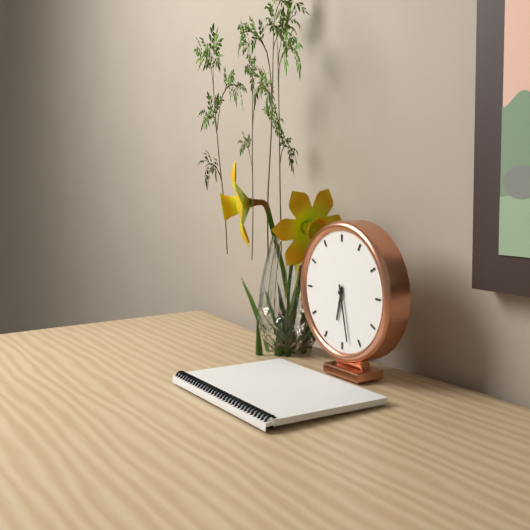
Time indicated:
6h28
